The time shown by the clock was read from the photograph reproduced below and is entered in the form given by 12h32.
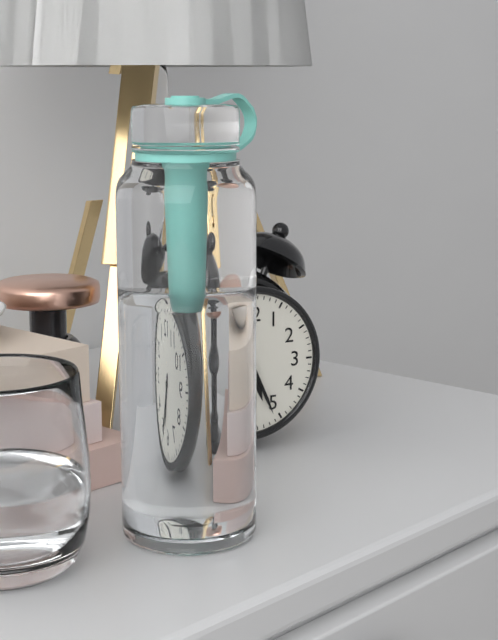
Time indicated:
5h26
